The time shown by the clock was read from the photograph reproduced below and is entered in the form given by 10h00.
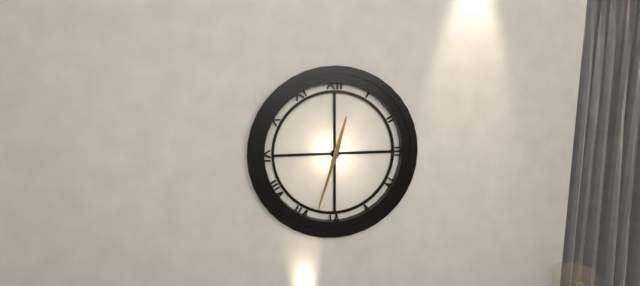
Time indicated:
12h33
